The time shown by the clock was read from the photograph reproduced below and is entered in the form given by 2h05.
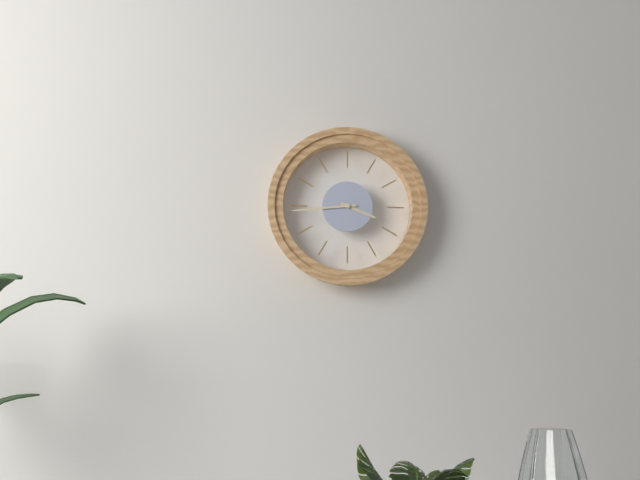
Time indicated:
3h44
